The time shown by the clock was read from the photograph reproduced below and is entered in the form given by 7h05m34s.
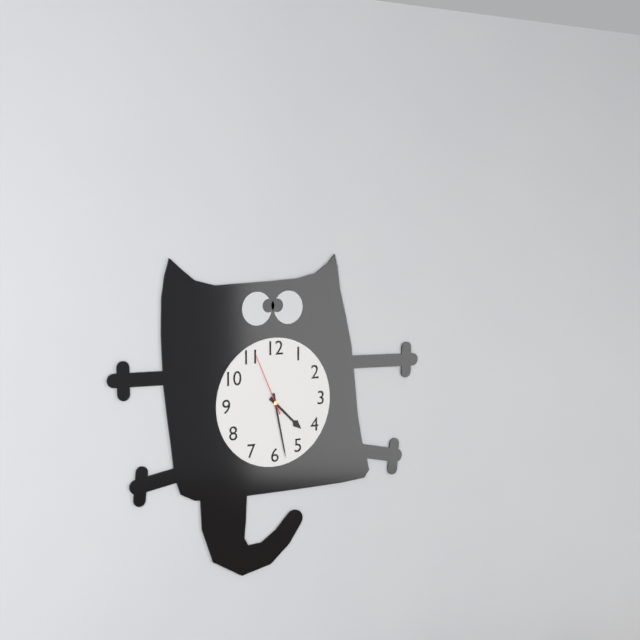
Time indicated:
4h28m56s
